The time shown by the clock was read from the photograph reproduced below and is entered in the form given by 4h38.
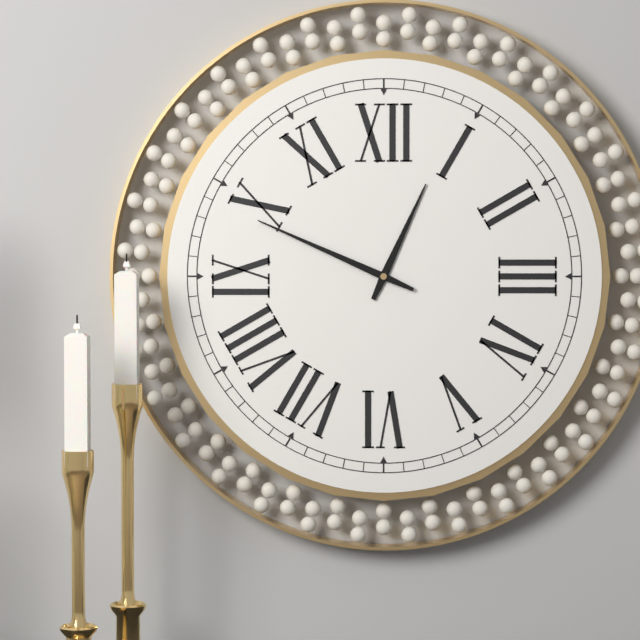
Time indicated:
12h49
